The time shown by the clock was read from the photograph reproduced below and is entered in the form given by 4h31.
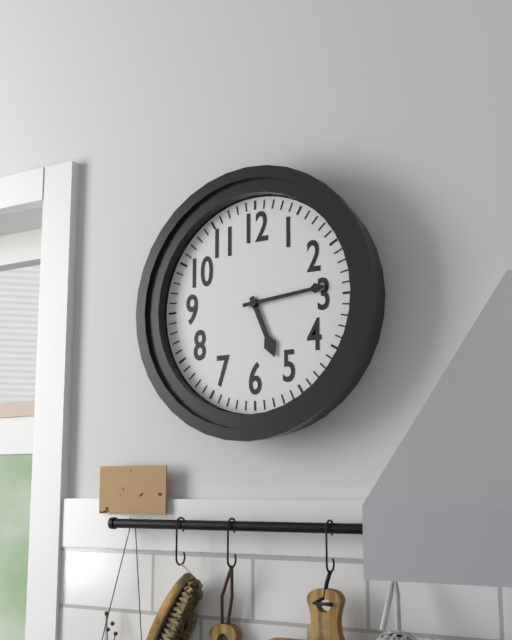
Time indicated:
5h14
